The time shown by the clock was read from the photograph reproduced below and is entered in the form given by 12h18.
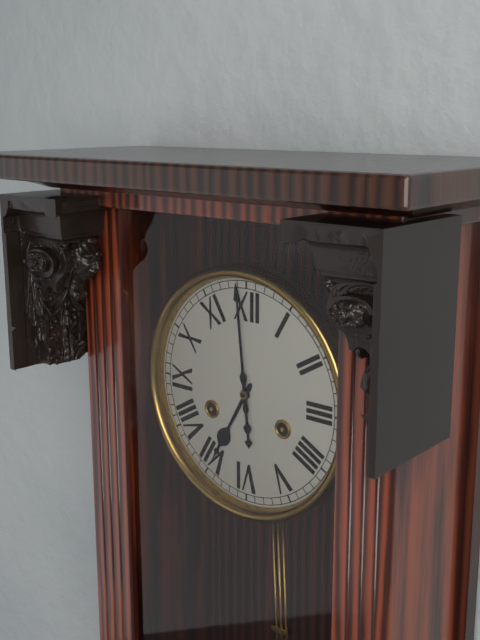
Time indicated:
6h59
